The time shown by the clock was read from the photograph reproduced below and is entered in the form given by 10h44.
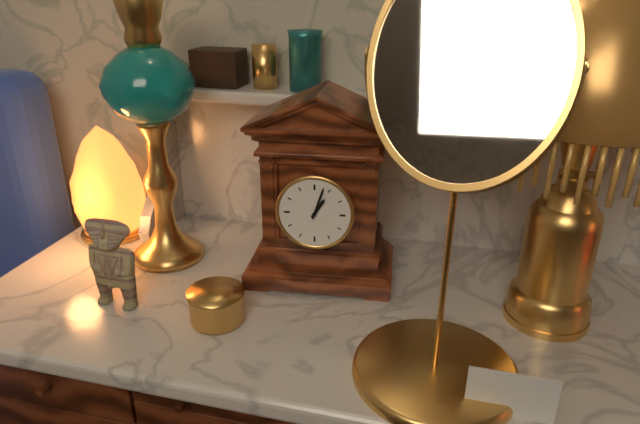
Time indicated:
1h03
